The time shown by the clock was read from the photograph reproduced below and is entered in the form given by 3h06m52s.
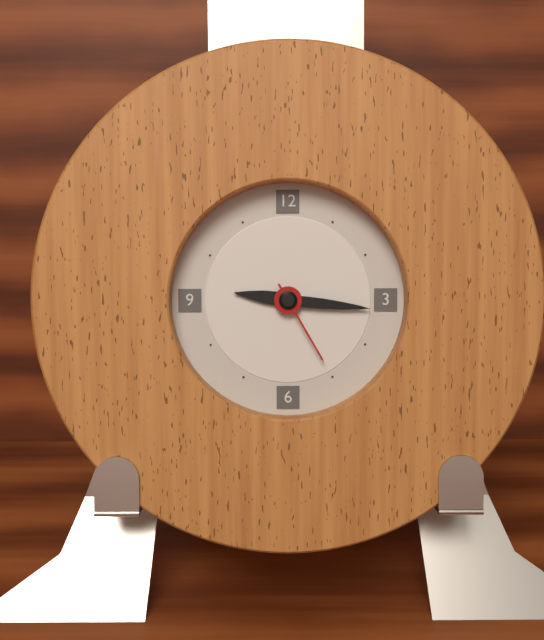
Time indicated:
9h16m25s
